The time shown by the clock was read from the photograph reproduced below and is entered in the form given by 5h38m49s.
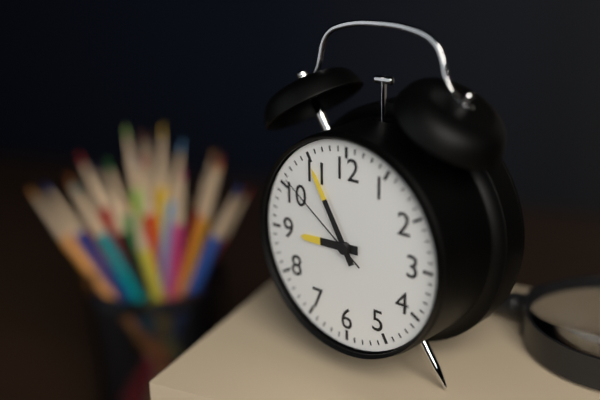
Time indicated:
8h55m51s
